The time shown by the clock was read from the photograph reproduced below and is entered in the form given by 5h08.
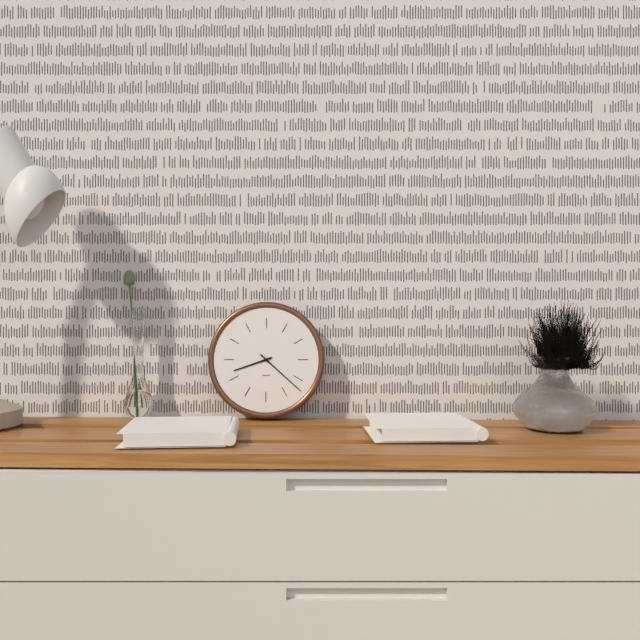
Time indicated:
8h22
